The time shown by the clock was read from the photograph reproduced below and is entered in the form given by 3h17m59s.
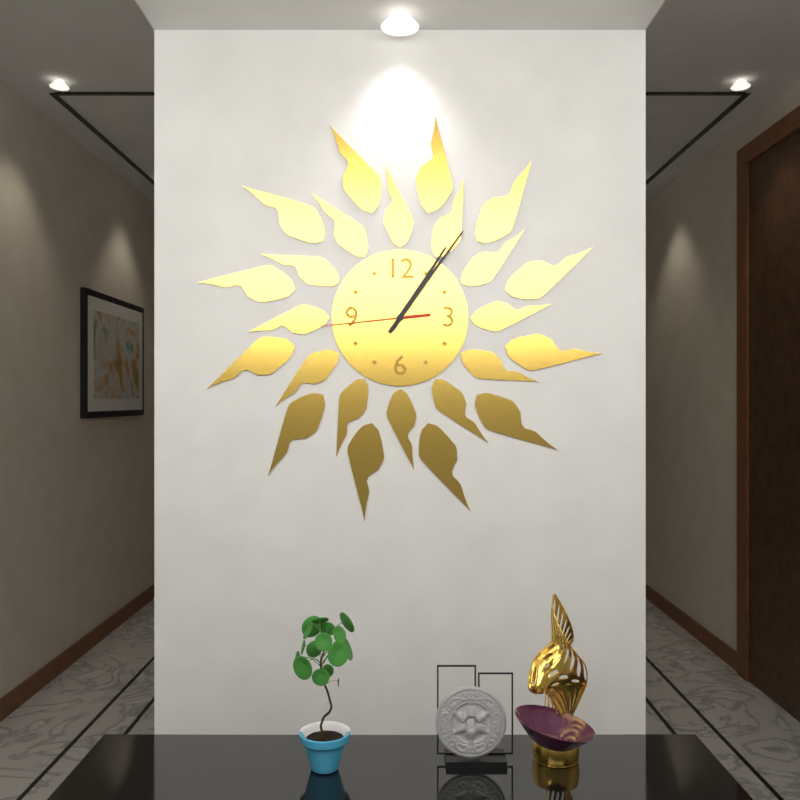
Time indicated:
1h06m44s
